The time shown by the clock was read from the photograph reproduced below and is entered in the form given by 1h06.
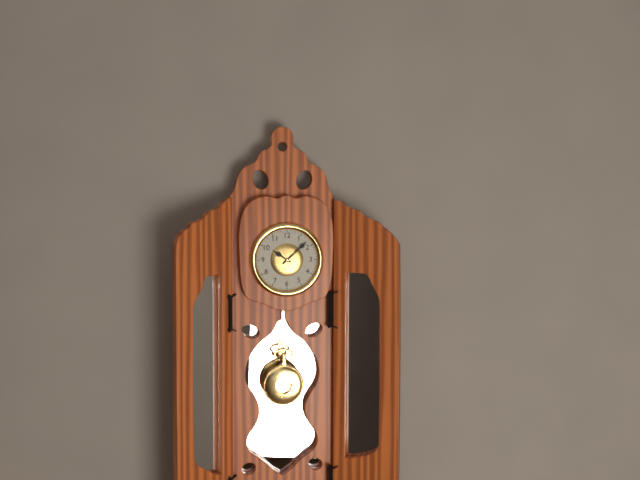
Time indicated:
10h08
